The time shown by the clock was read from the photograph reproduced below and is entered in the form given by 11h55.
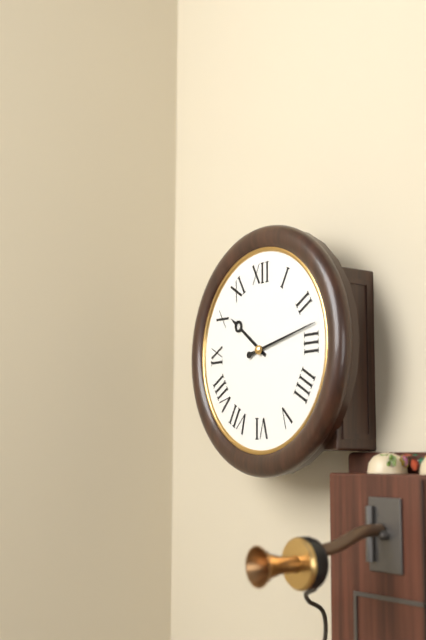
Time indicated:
10h13
